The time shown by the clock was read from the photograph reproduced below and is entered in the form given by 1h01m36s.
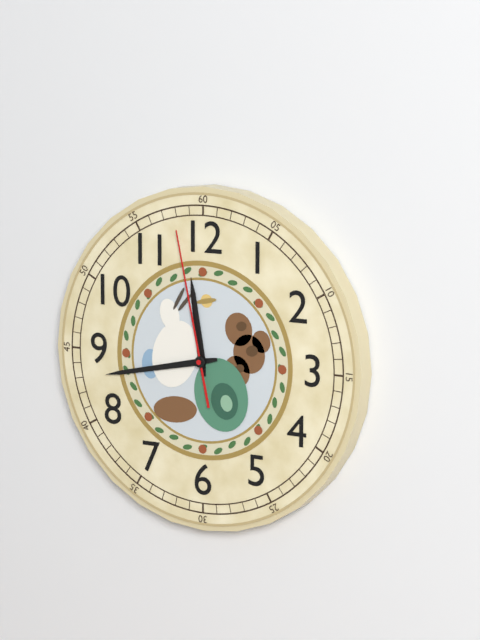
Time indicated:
11h43m58s
